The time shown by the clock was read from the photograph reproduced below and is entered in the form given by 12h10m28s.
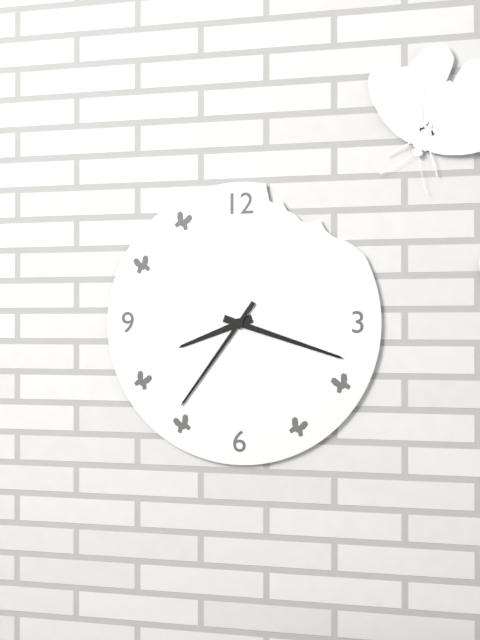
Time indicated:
8h18m36s
